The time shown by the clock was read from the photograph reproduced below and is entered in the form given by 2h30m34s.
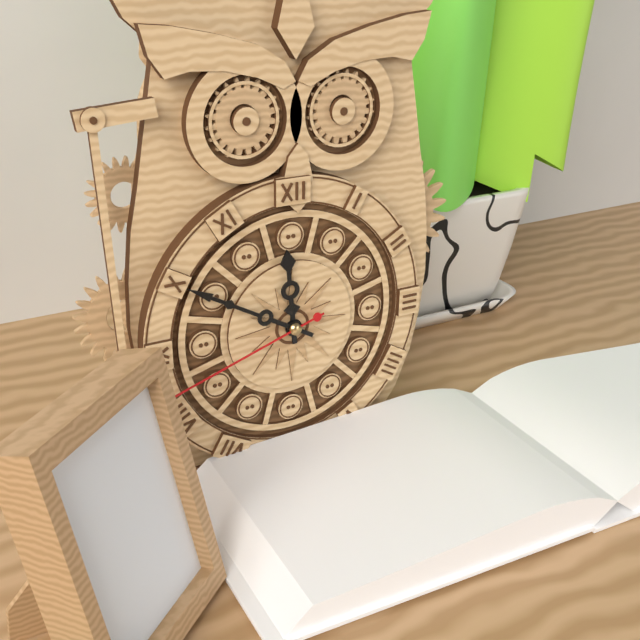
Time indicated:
11h50m42s
